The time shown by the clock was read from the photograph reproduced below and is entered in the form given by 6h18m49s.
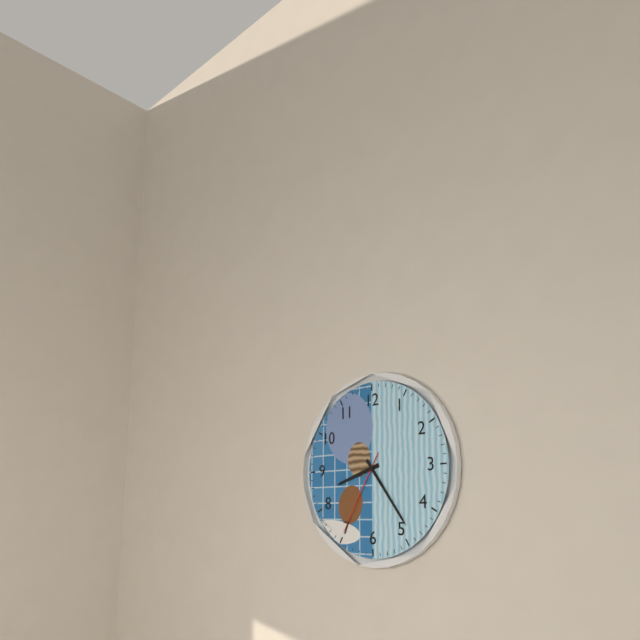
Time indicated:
8h24m35s
